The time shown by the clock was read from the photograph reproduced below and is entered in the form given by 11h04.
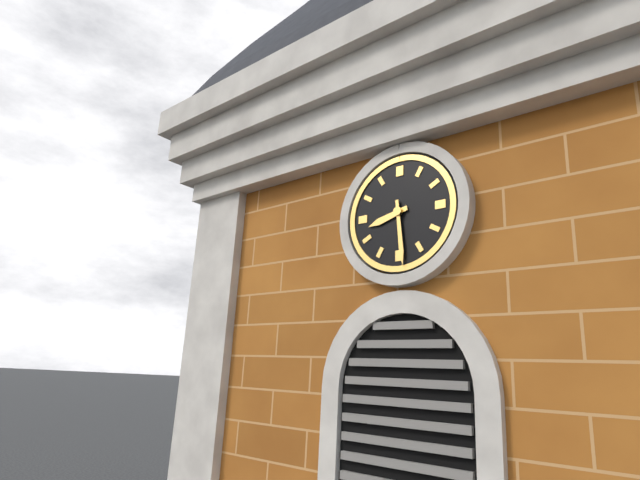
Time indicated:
8h29
